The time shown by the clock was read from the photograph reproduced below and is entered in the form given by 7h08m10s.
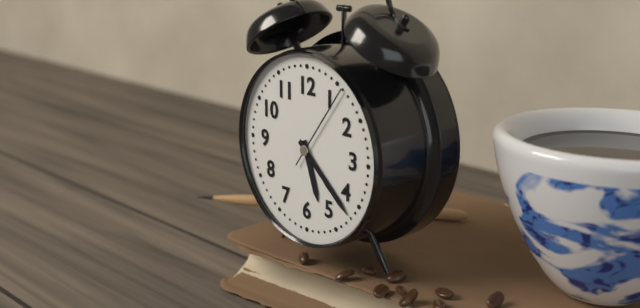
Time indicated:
5h22m06s
